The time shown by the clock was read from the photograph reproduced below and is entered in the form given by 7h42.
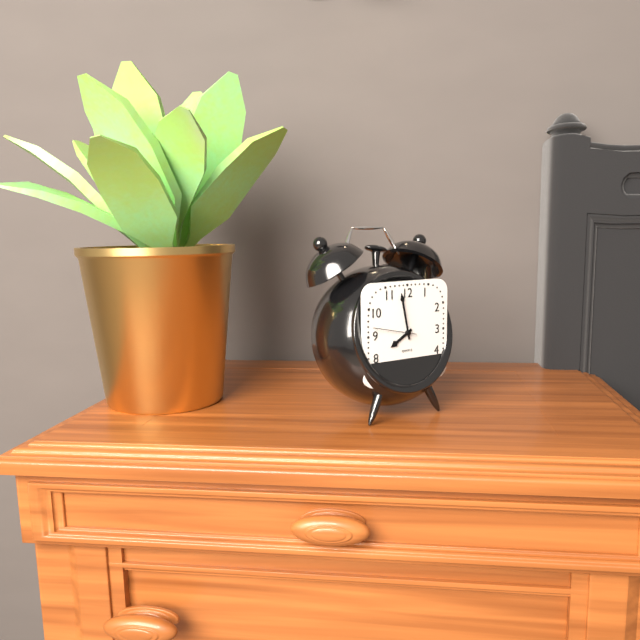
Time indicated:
7h58
